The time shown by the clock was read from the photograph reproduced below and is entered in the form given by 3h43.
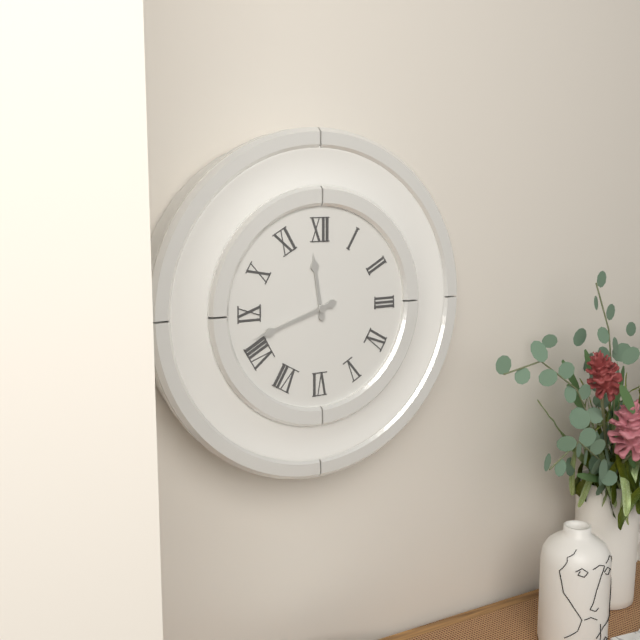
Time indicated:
11h42
